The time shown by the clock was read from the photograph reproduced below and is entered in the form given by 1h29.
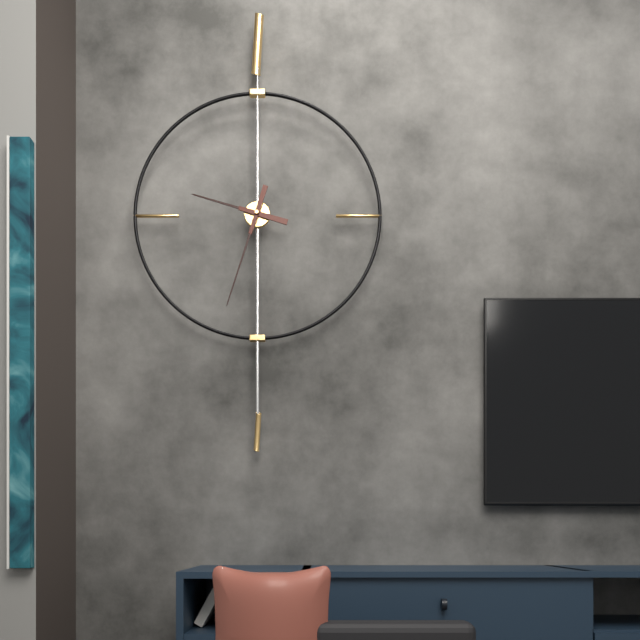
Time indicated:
9h33
